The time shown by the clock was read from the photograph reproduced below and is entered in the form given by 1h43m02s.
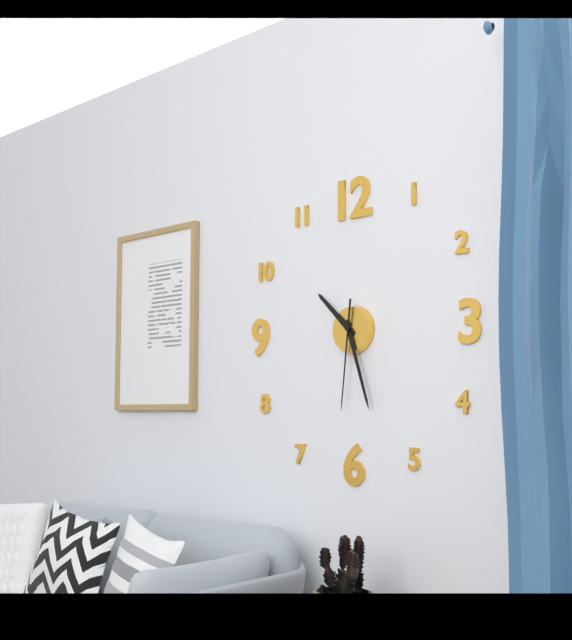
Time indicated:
10h27m31s
